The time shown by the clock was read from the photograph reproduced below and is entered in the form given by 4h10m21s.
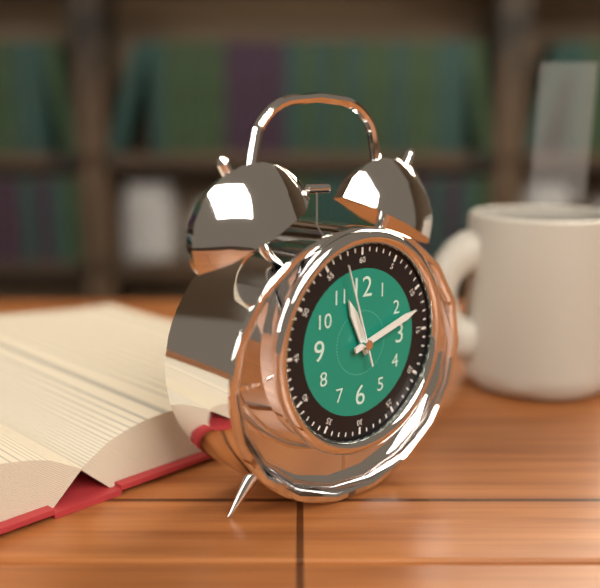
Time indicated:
11h12m57s
